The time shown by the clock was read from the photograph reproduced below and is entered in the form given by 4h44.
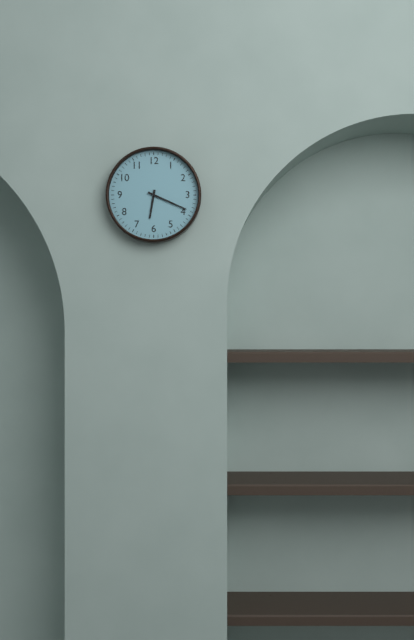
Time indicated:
6h19
